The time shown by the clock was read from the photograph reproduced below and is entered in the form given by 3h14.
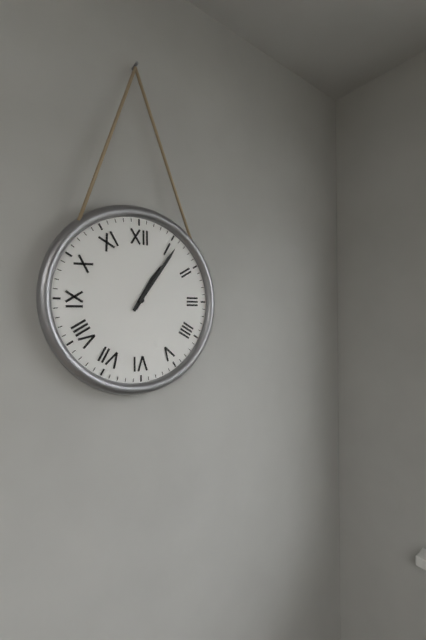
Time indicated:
1h06
